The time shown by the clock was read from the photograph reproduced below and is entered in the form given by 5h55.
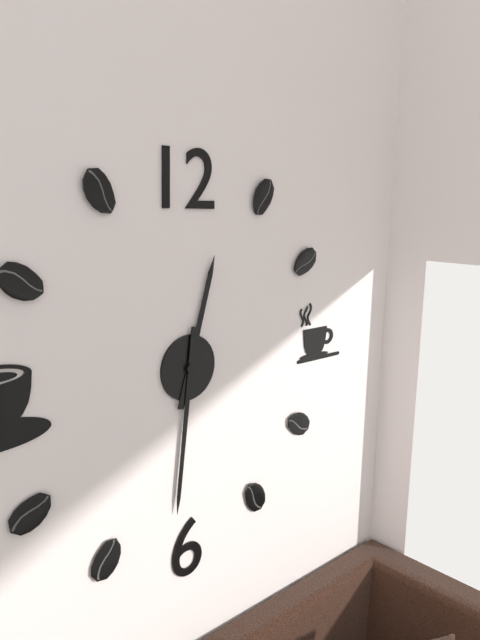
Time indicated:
12h31
